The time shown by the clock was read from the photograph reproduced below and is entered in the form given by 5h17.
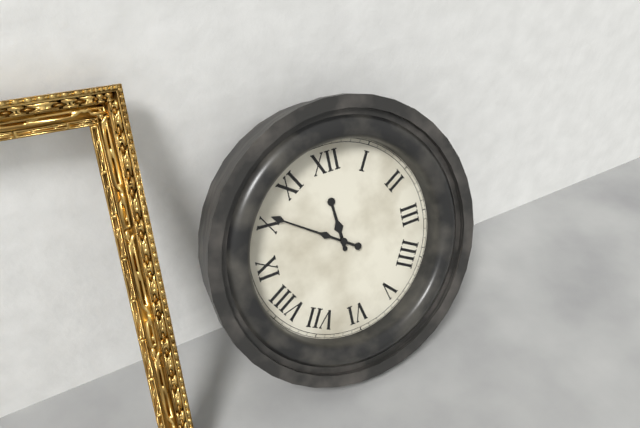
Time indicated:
11h51
